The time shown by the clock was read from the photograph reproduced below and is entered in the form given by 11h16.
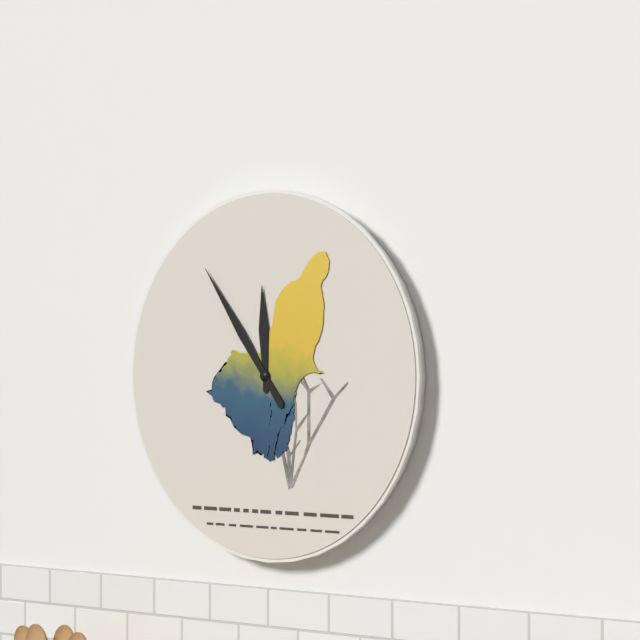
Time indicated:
11h54
